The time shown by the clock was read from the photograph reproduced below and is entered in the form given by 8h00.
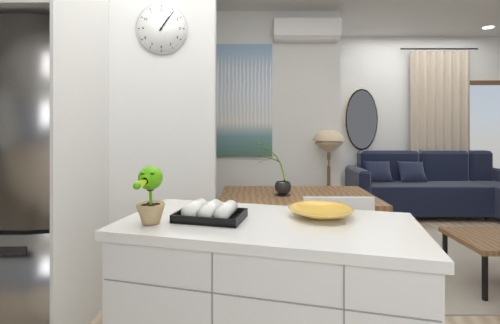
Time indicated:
1h06
